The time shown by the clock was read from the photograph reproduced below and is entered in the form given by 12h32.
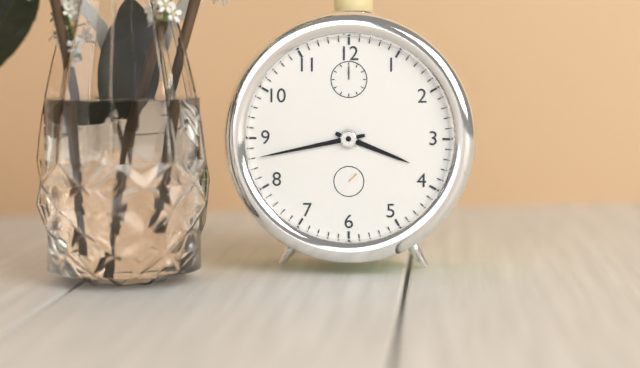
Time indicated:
3h43
